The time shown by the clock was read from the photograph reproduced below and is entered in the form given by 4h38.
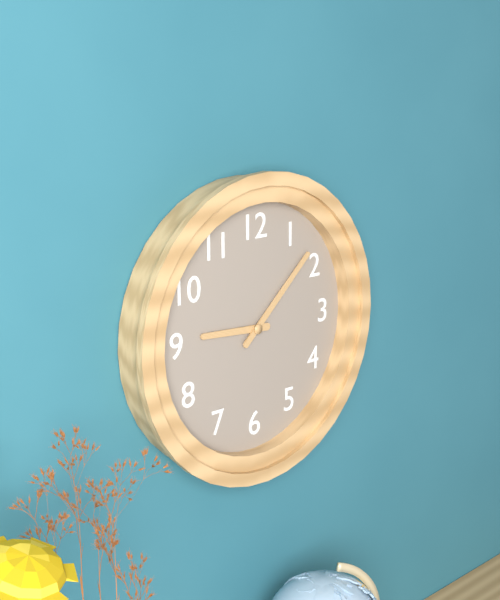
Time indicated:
9h08
